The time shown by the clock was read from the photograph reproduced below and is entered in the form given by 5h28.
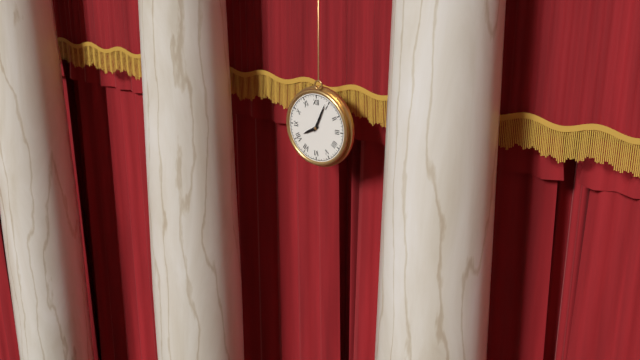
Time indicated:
8h04
